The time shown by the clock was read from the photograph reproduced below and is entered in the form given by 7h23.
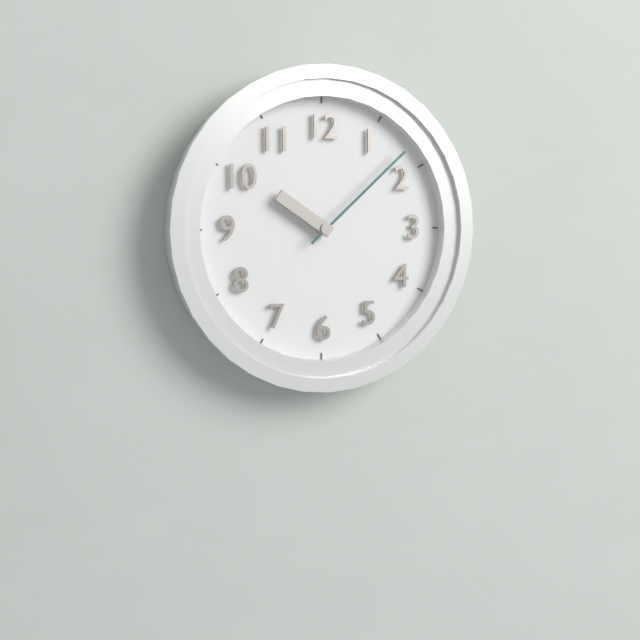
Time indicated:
10h08
